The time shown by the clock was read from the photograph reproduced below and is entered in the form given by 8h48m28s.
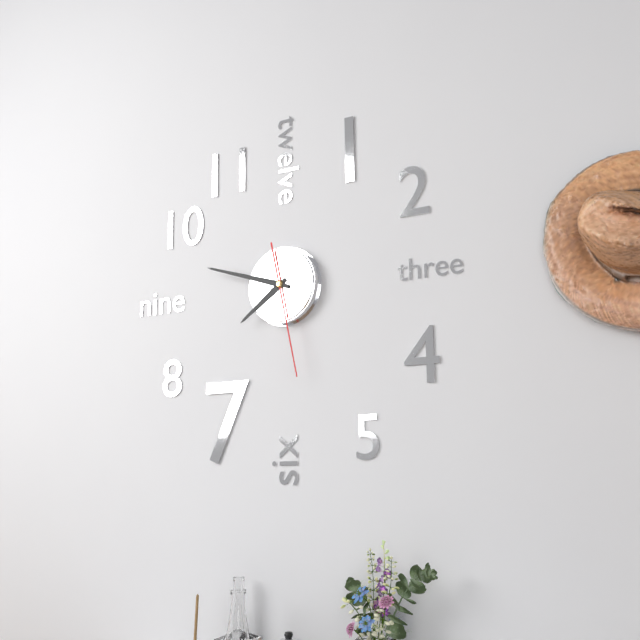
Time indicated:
7h48m28s
